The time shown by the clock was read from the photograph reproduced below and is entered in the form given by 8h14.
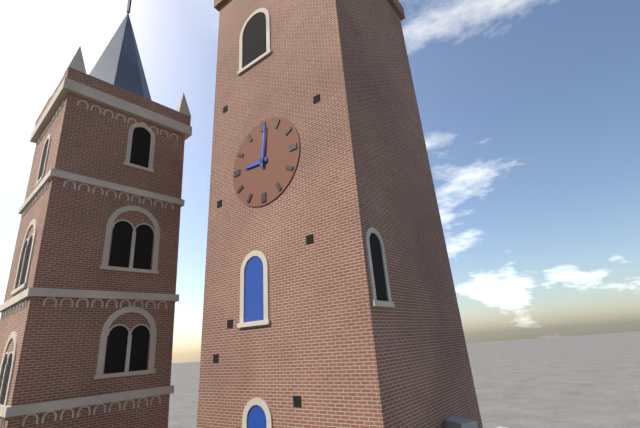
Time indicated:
9h01
